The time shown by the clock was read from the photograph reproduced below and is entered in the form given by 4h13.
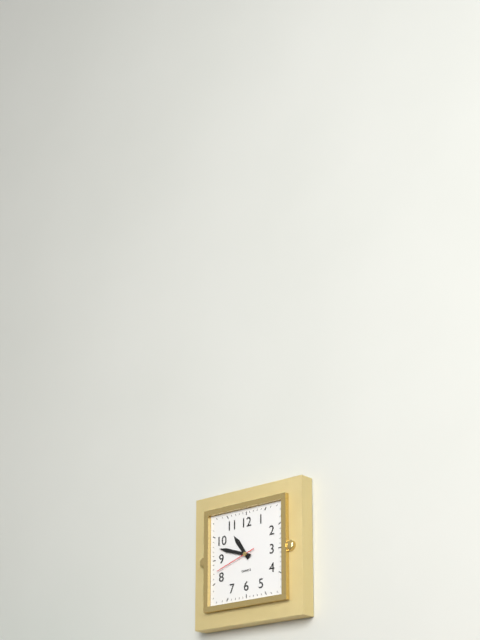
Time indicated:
10h48
